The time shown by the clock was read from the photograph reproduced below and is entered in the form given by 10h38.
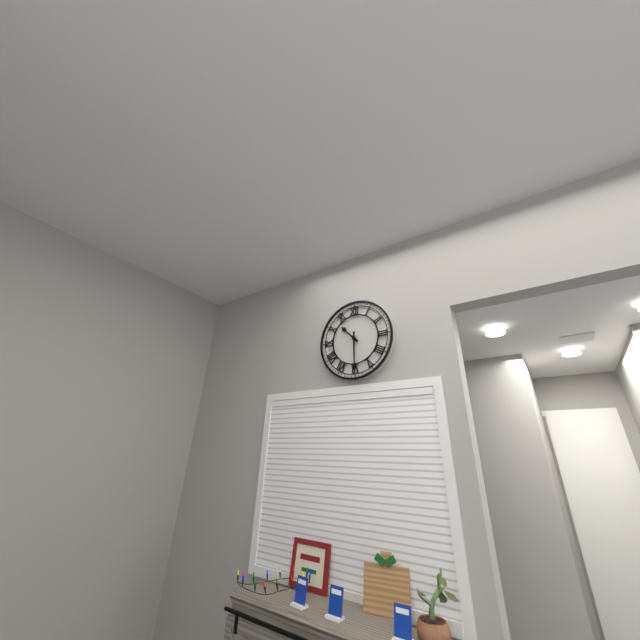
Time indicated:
10h30
